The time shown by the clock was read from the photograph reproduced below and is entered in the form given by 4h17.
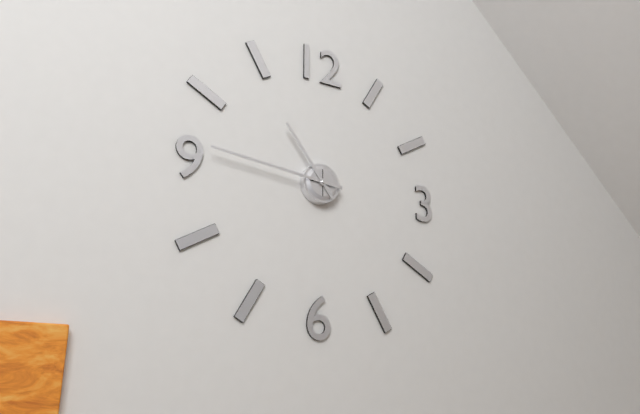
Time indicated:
10h46
